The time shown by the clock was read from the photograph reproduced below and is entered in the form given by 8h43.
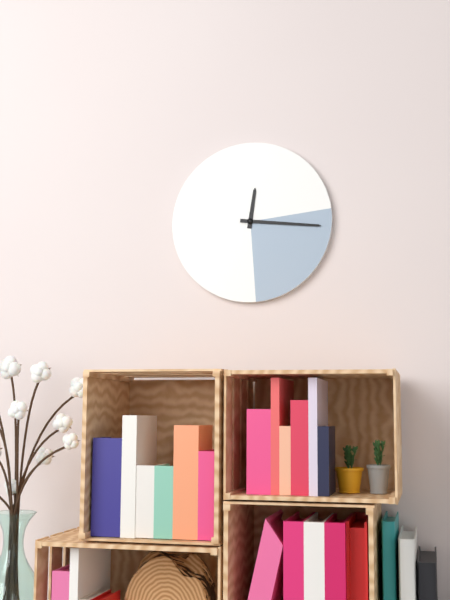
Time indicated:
12h16
